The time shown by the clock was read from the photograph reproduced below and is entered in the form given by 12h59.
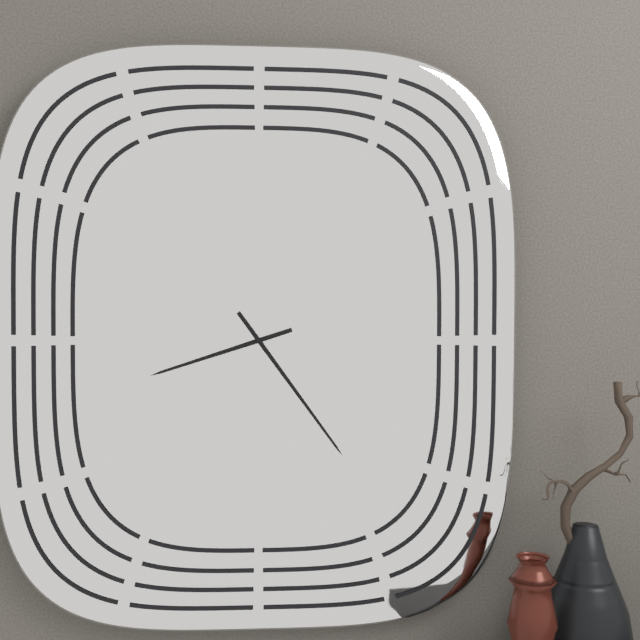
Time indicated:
8h24
